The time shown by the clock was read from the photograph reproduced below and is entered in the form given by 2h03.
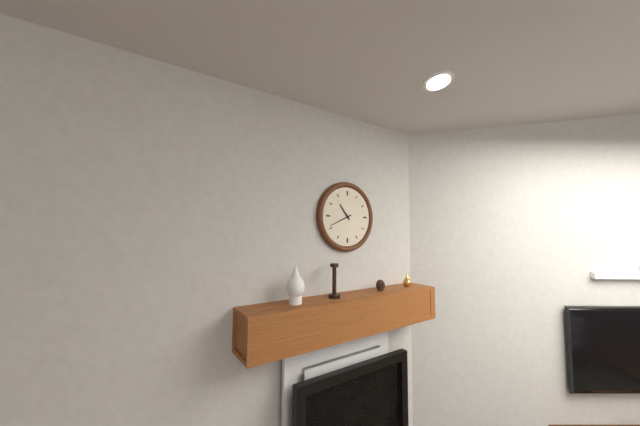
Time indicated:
10h41
